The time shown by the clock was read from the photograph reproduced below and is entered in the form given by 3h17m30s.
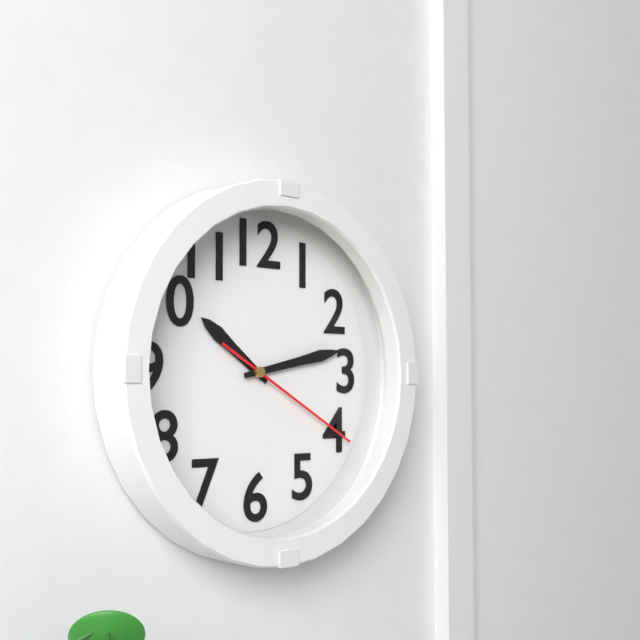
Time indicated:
10h13m20s
